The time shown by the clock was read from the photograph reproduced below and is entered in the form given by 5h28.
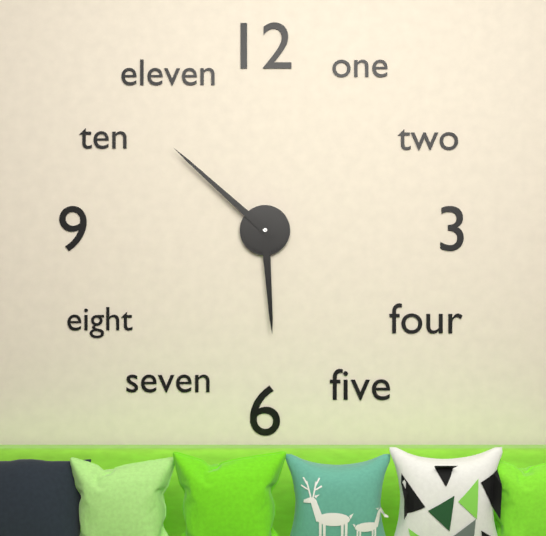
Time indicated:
5h52
